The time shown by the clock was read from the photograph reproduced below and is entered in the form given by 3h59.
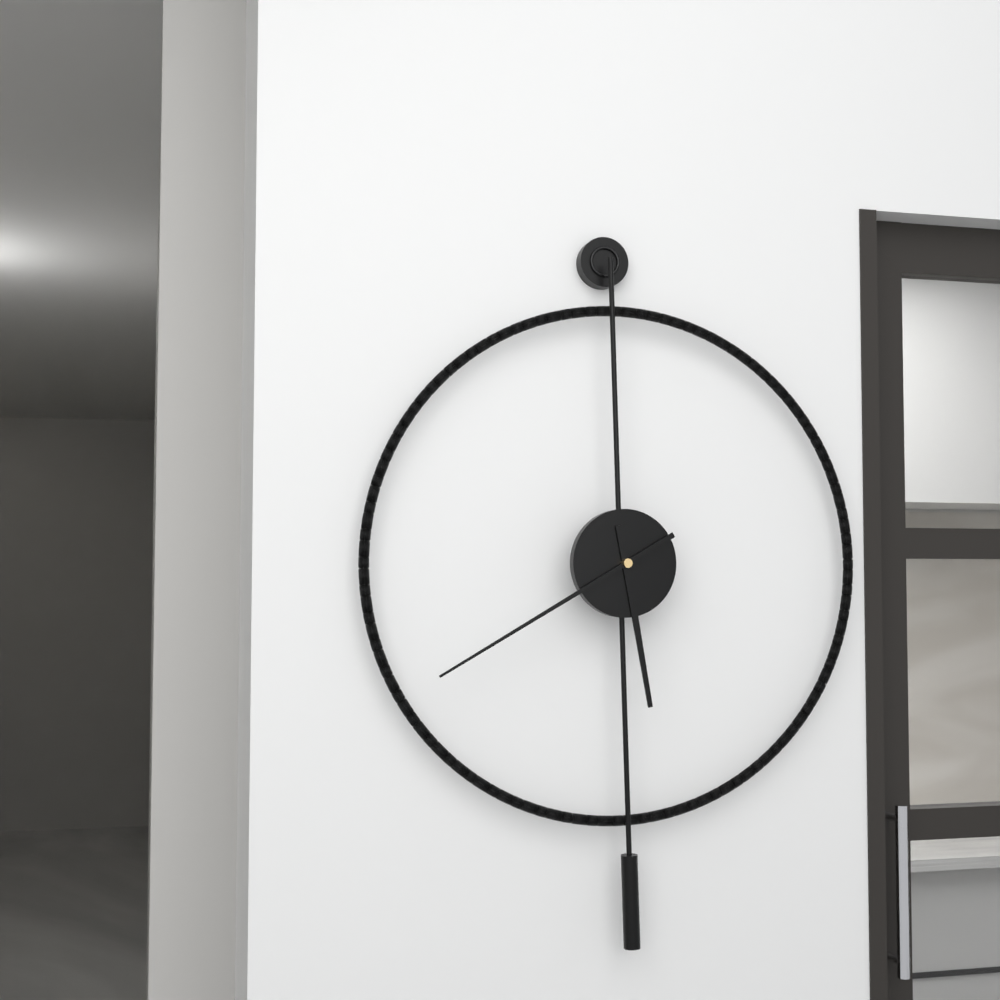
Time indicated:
5h40
